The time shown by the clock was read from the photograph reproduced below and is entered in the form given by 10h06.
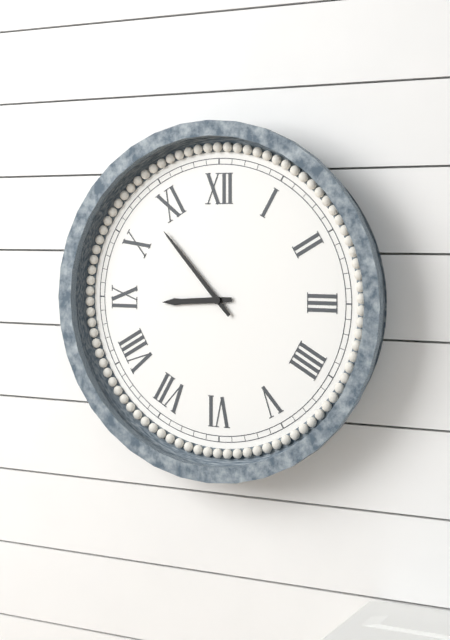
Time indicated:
8h53
